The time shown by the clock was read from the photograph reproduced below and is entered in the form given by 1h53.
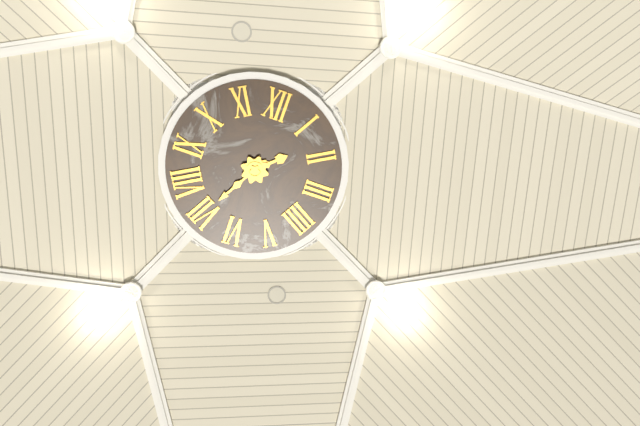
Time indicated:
1h35
